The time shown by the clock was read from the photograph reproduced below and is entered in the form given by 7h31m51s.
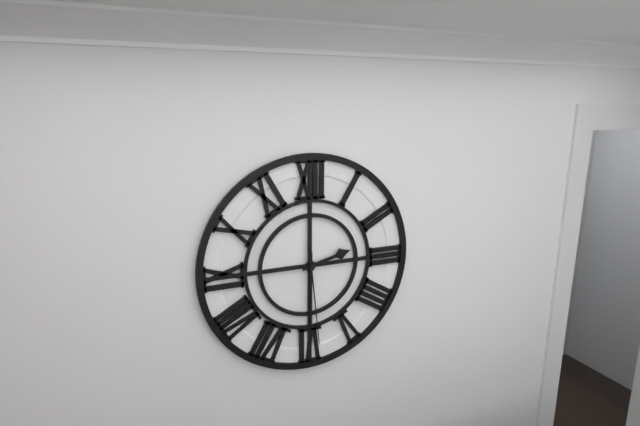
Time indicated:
2h30m29s
